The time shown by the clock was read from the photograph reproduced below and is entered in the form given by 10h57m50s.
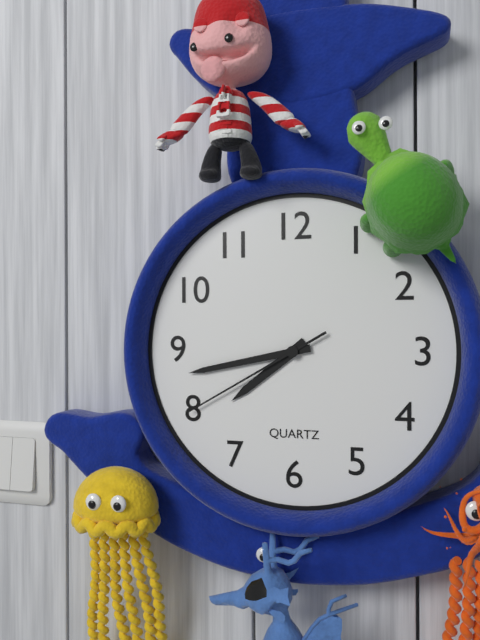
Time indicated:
7h43m40s
